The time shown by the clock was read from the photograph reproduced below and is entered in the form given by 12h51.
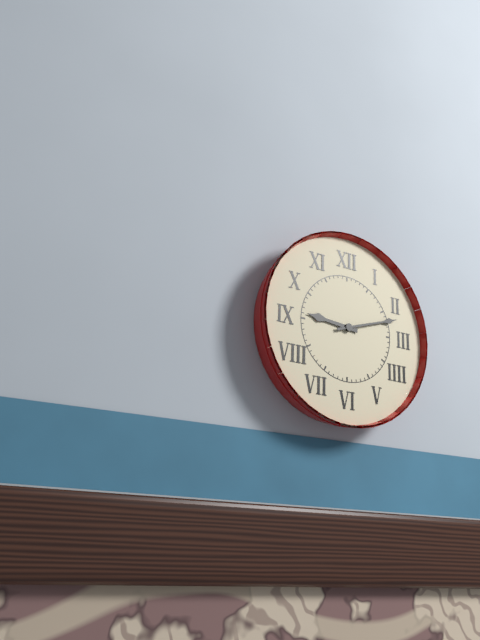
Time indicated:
9h12
